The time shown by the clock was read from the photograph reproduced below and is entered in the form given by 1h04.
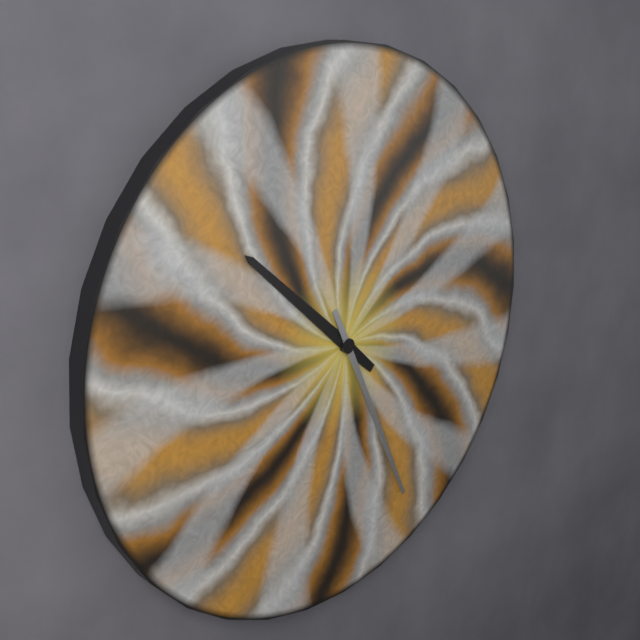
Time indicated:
10h26
